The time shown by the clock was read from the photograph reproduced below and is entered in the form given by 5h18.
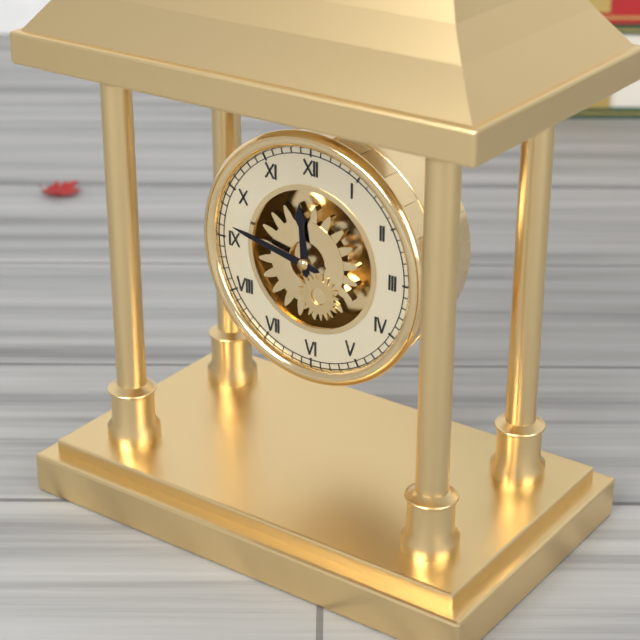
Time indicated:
11h47
